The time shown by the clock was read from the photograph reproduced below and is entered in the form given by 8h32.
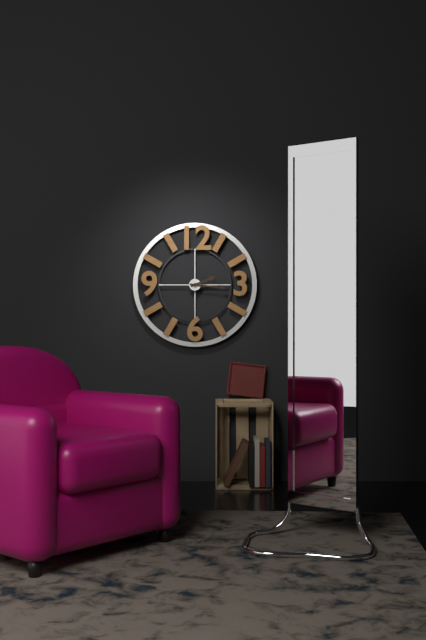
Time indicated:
2h16
